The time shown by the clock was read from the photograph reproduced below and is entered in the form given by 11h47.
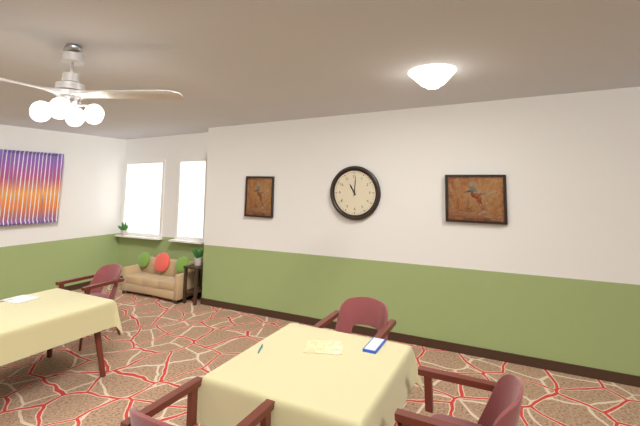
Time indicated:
11h01
